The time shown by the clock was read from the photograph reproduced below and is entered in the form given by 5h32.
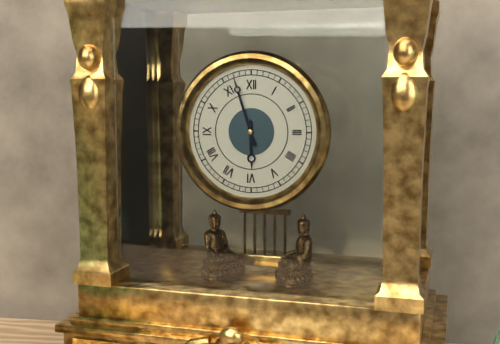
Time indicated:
5h57
